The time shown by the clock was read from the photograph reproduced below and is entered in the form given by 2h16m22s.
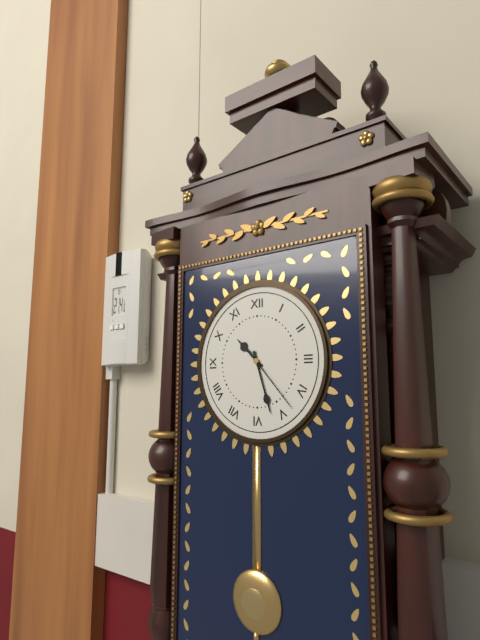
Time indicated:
10h27m23s
